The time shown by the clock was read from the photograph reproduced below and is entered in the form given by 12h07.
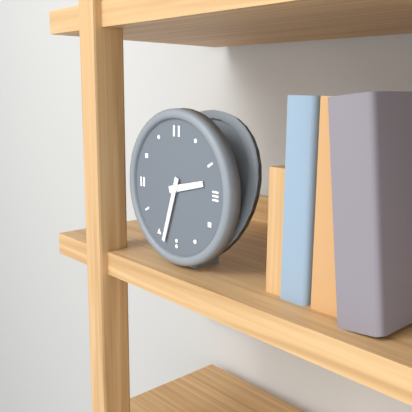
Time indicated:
2h33
